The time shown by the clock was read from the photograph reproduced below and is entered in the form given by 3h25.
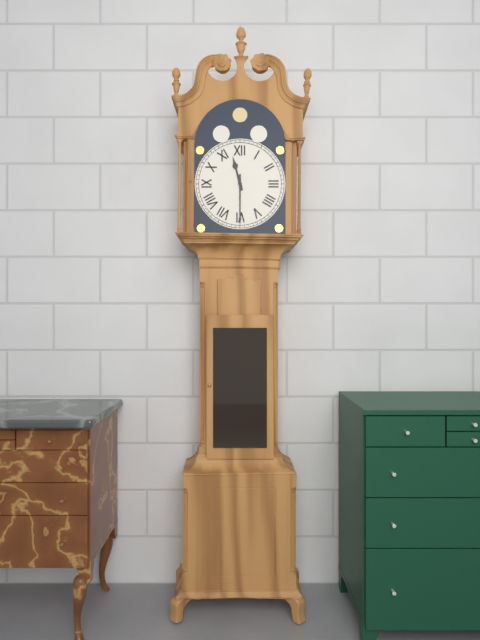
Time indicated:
11h30
